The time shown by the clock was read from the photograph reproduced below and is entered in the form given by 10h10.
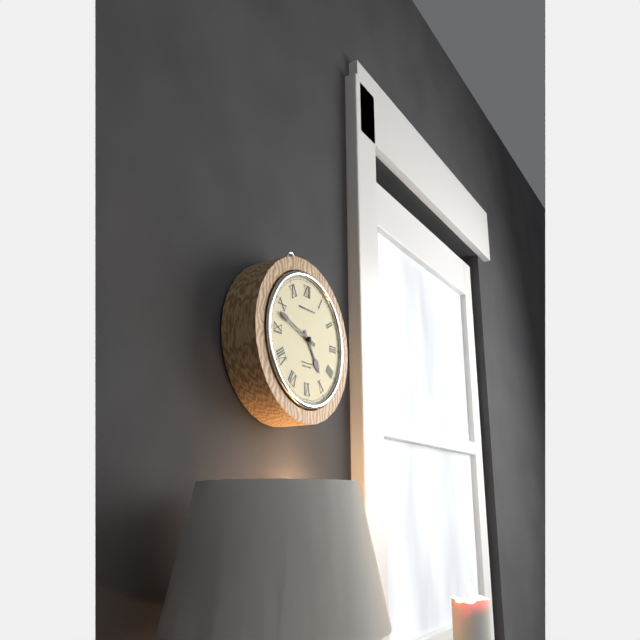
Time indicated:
4h48
